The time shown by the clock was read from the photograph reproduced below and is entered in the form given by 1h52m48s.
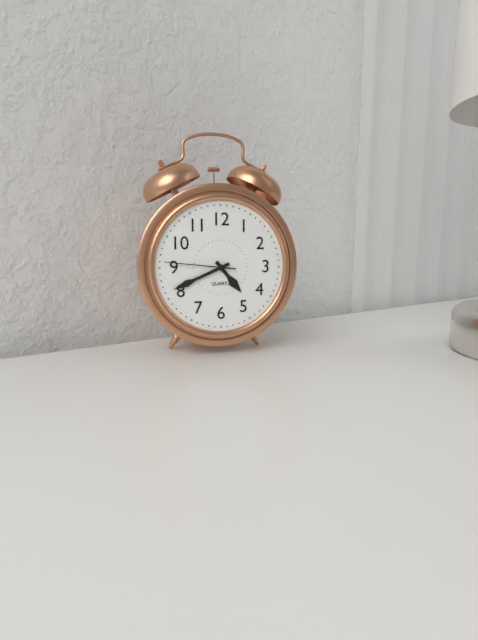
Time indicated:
4h41m46s
